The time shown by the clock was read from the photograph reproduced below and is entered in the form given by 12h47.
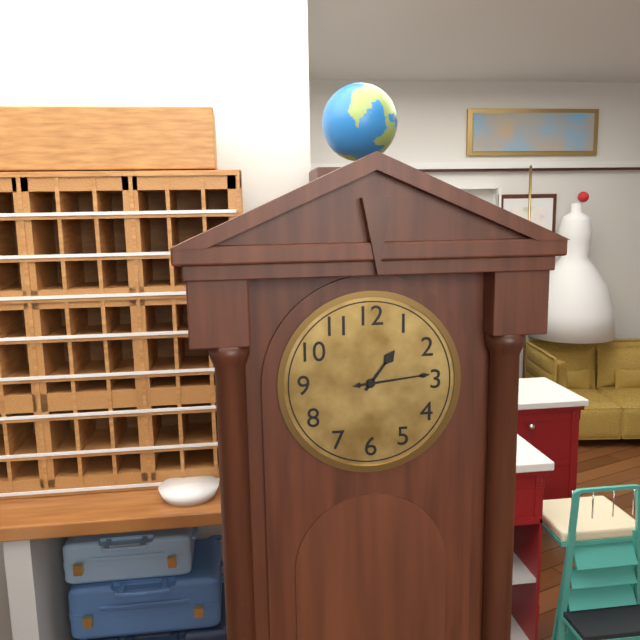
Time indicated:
1h14
